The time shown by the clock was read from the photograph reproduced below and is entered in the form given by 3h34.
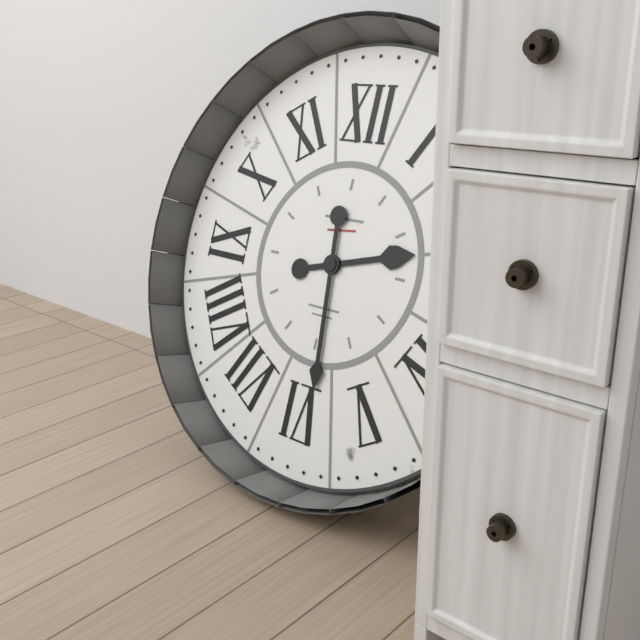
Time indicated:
2h29
